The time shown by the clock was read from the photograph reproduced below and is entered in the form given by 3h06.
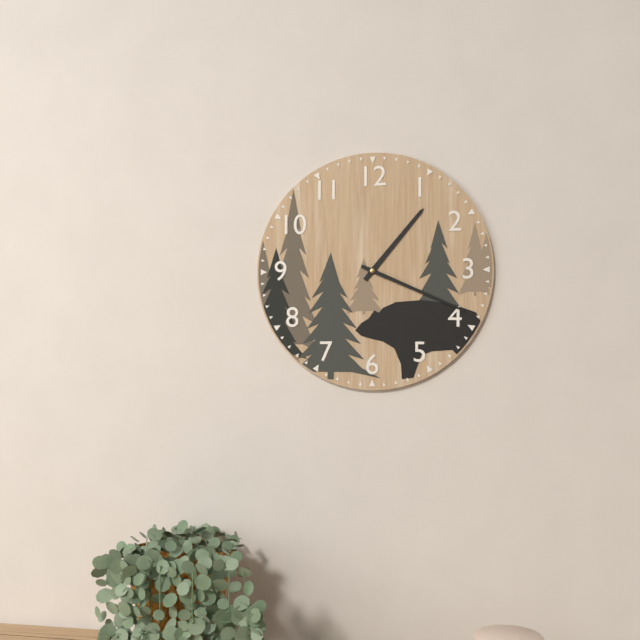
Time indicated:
1h19
